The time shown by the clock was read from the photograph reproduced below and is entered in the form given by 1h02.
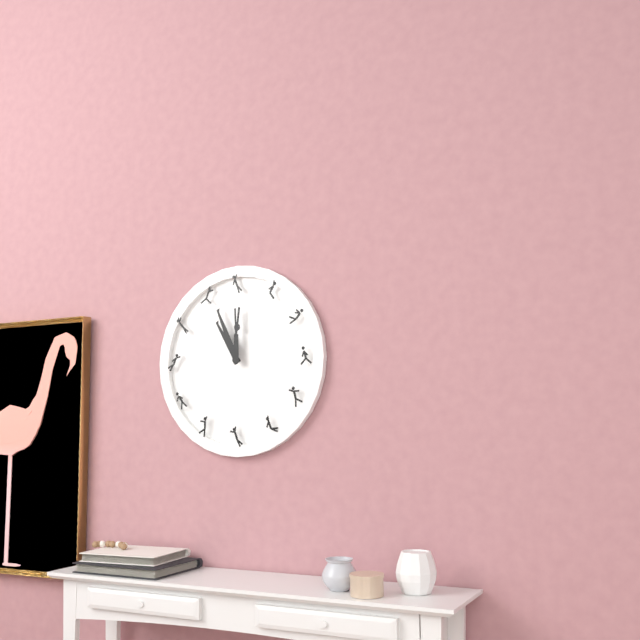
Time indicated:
10h56
